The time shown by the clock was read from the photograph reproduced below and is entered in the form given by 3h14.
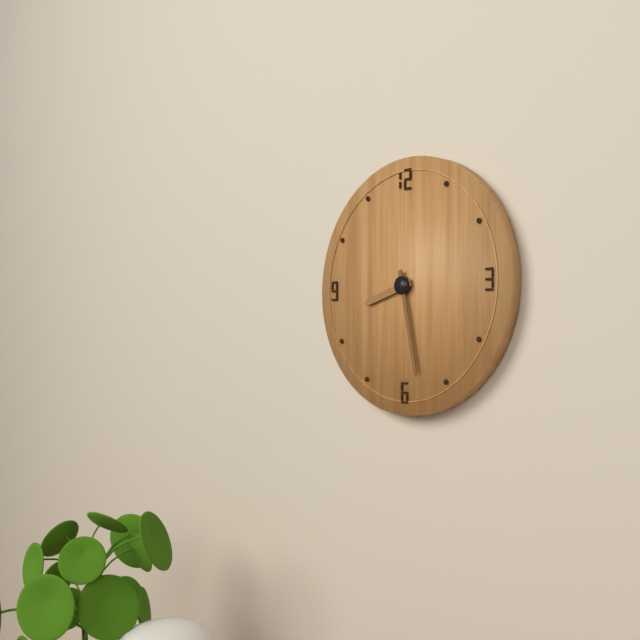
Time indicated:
8h28
